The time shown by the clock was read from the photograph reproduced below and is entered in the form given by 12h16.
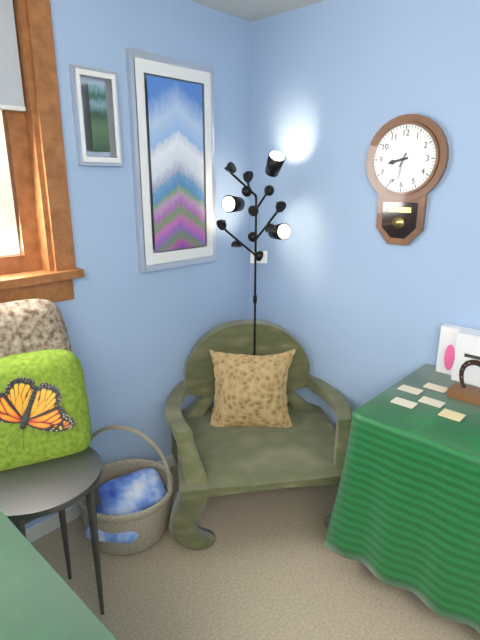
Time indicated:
8h34
